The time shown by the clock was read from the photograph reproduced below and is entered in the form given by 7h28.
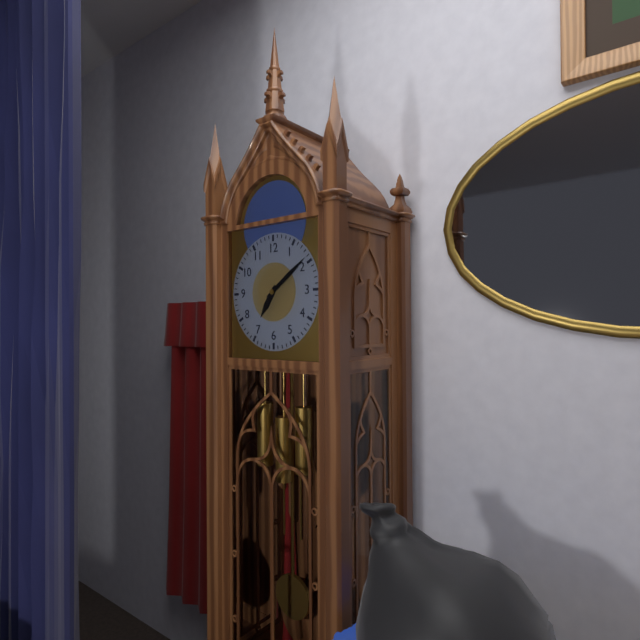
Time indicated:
7h09
